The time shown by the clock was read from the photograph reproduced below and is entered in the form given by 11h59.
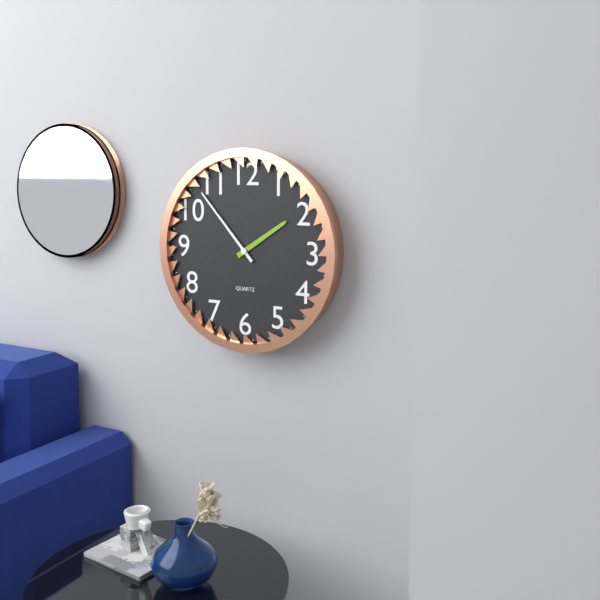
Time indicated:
1h53
